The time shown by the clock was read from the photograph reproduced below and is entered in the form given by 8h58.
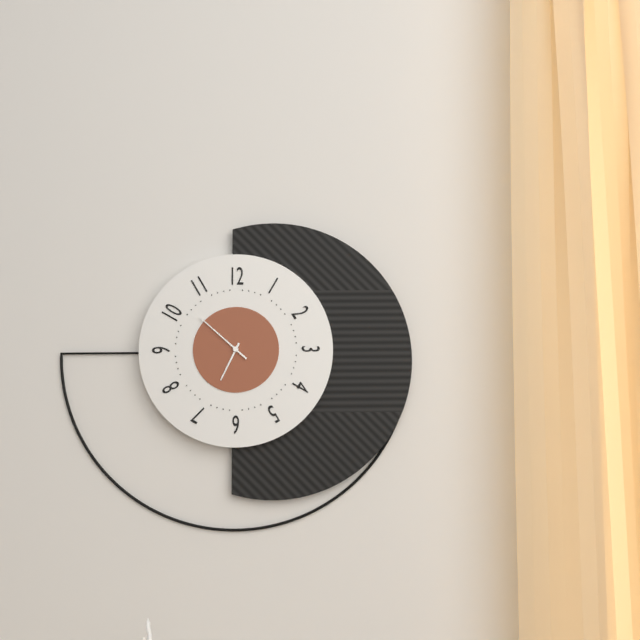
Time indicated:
6h52
